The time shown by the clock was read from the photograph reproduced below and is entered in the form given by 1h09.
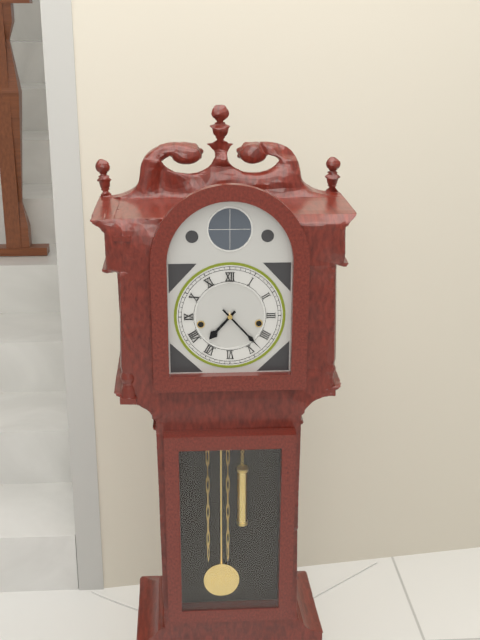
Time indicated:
7h23
